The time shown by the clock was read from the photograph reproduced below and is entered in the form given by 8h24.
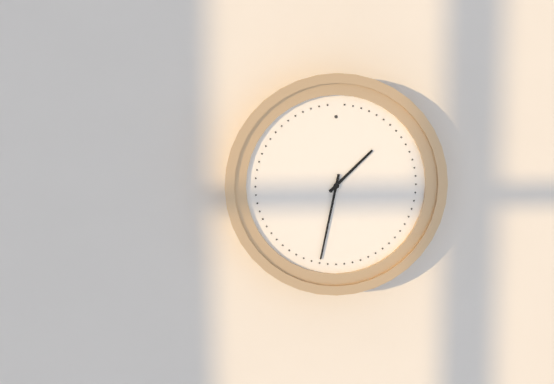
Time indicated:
1h32
